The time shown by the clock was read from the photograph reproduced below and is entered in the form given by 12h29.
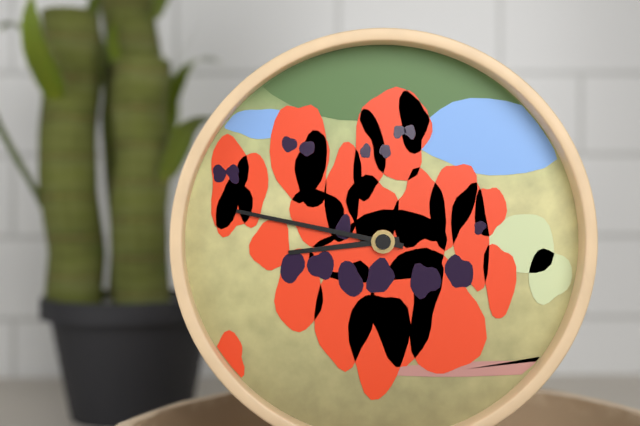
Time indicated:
8h47
